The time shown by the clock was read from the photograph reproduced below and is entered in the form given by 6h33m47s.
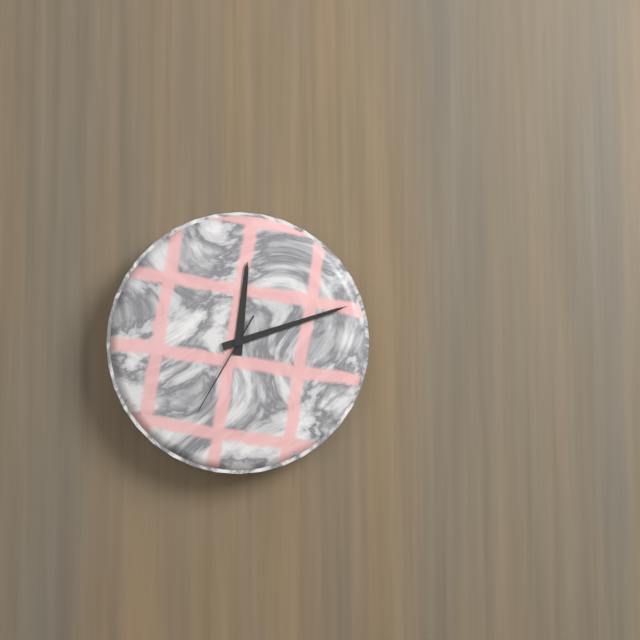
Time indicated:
12h12m35s
